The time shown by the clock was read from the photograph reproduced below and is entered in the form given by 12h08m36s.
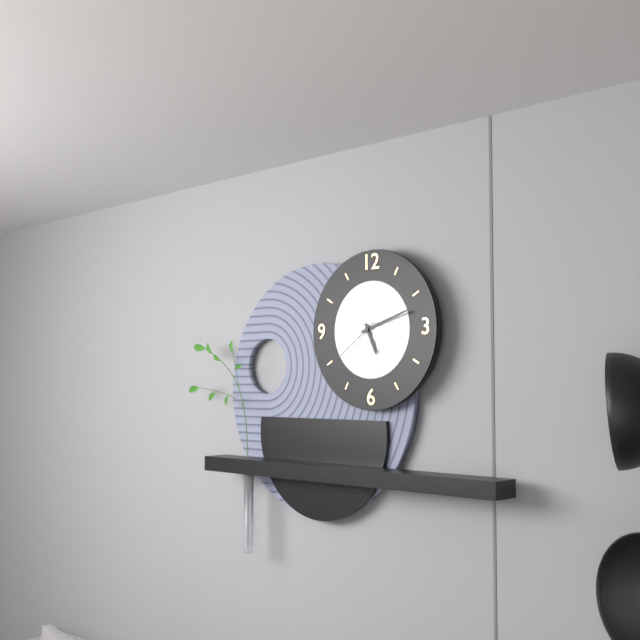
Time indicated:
5h12m39s
